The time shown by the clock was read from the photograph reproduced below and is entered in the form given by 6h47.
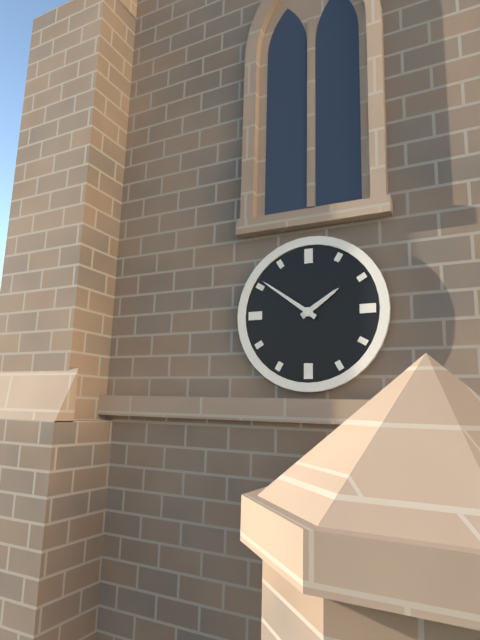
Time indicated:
1h51
